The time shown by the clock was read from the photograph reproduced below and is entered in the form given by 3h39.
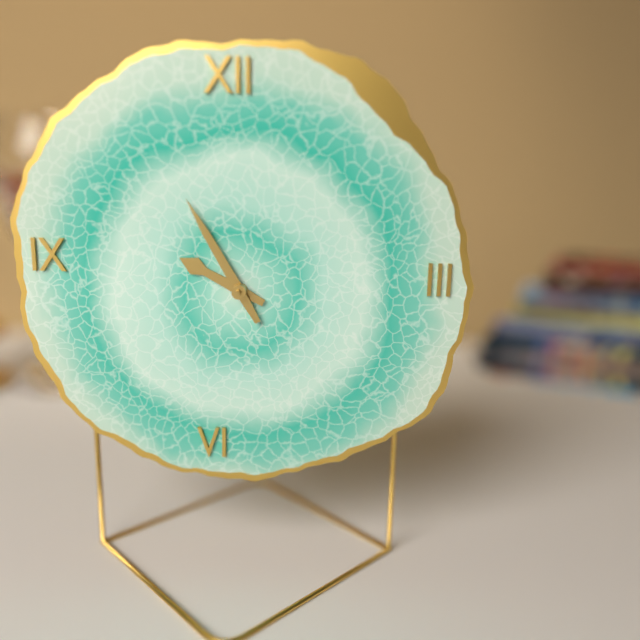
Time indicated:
9h55
